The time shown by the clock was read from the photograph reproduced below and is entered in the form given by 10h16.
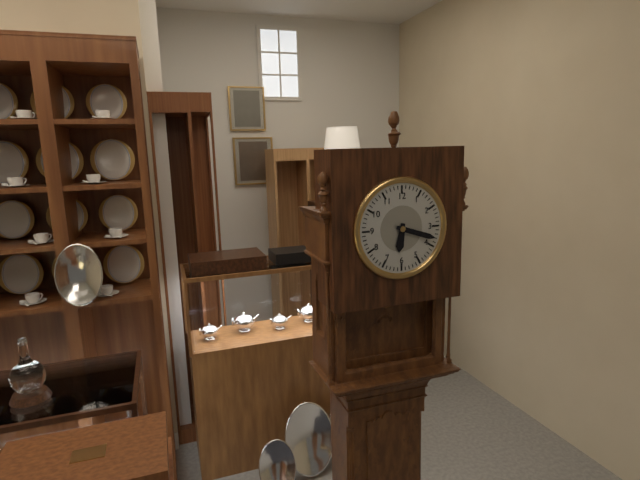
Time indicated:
6h18
